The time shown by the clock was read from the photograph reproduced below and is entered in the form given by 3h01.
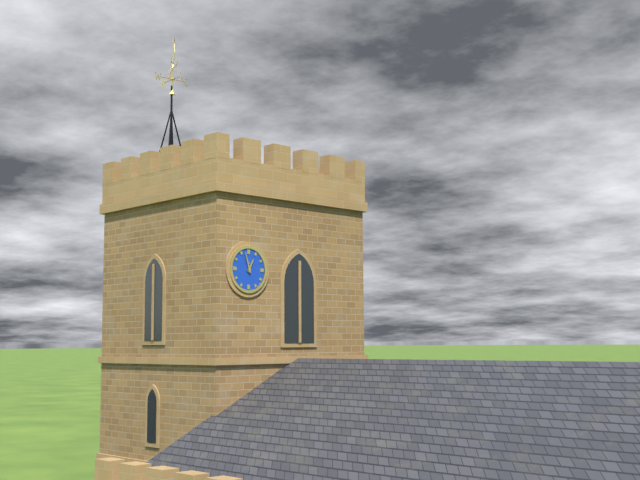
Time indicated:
12h57
